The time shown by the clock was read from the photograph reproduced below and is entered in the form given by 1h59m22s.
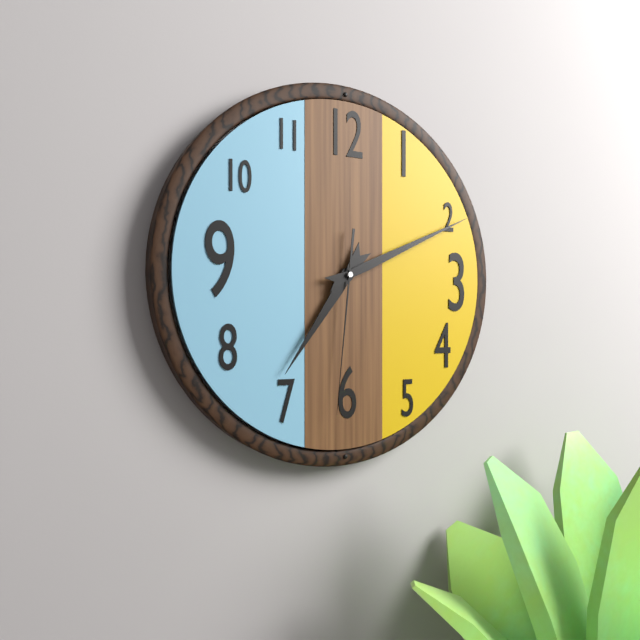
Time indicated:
7h11m31s
